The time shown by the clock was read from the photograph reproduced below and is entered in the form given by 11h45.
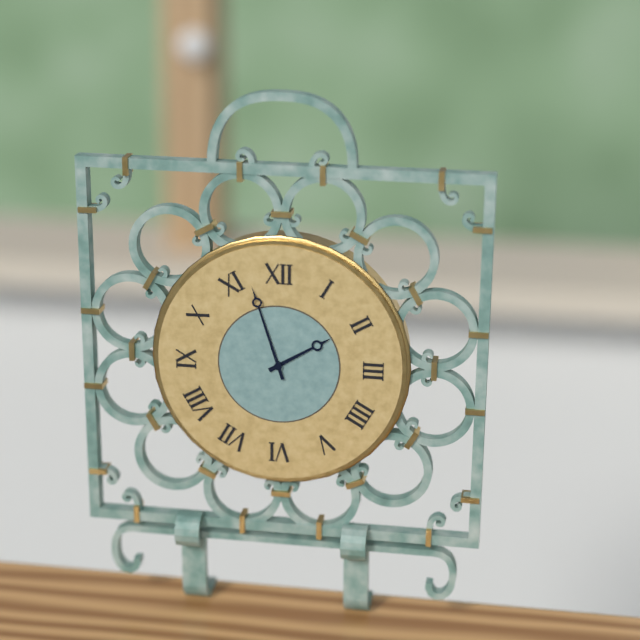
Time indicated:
1h57
